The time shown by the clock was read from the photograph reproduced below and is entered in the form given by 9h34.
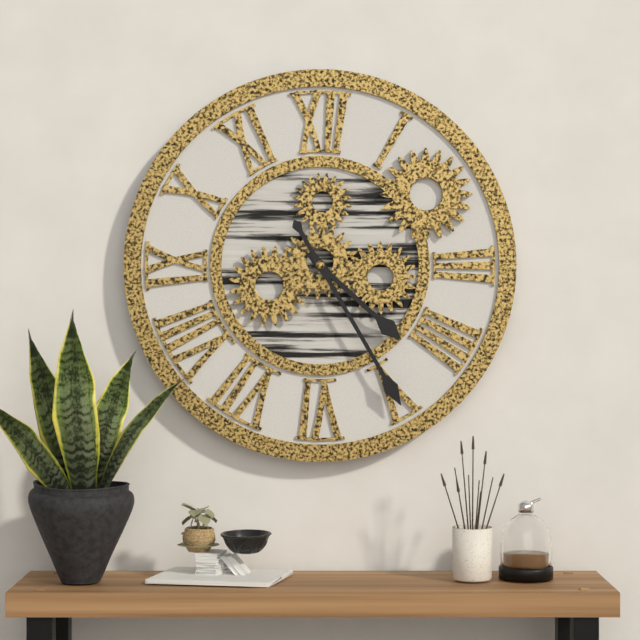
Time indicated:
4h25
